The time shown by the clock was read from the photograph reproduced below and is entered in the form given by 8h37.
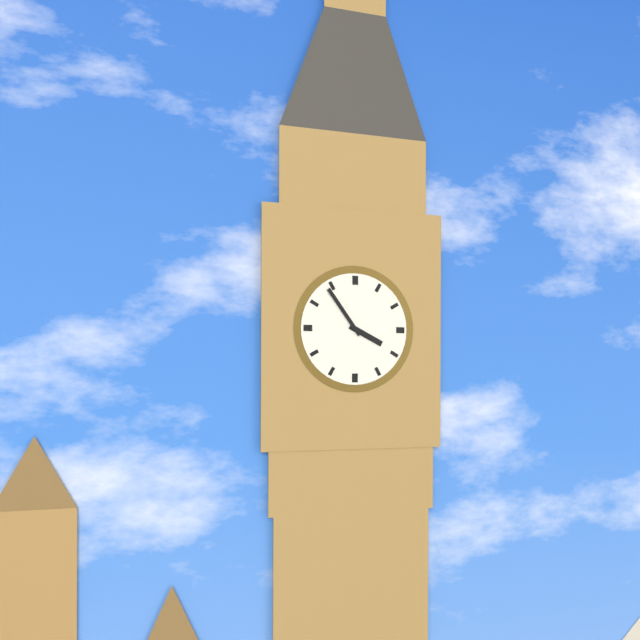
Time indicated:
3h54
